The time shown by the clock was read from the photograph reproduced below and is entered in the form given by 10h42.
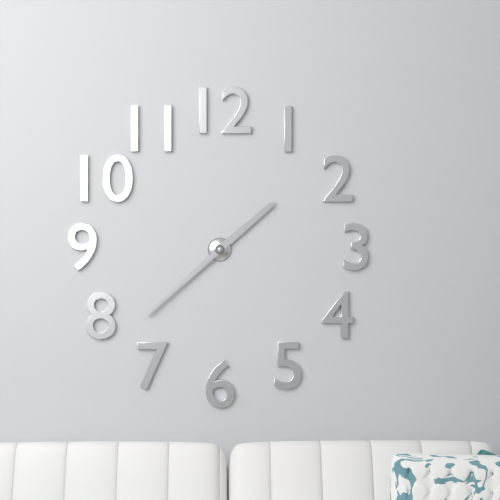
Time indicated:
1h38
